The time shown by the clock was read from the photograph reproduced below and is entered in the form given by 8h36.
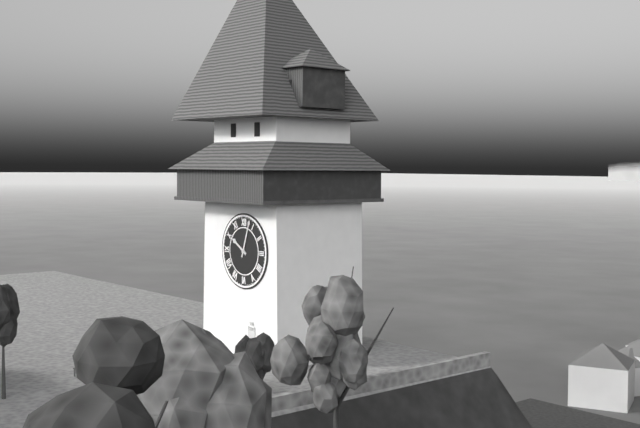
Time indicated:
10h03
